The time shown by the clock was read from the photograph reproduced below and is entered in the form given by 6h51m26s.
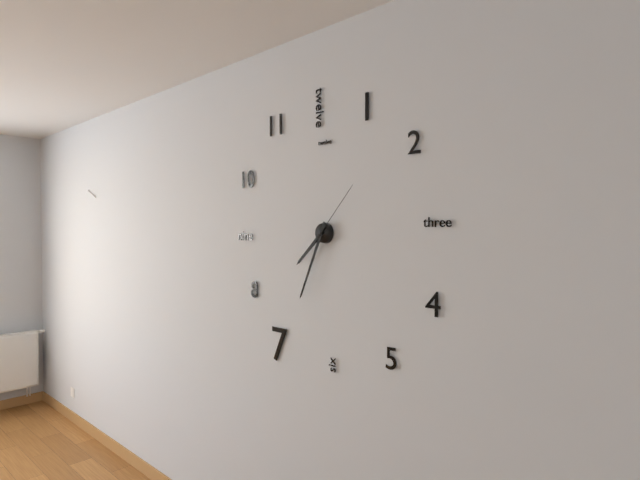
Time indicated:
7h34m07s
